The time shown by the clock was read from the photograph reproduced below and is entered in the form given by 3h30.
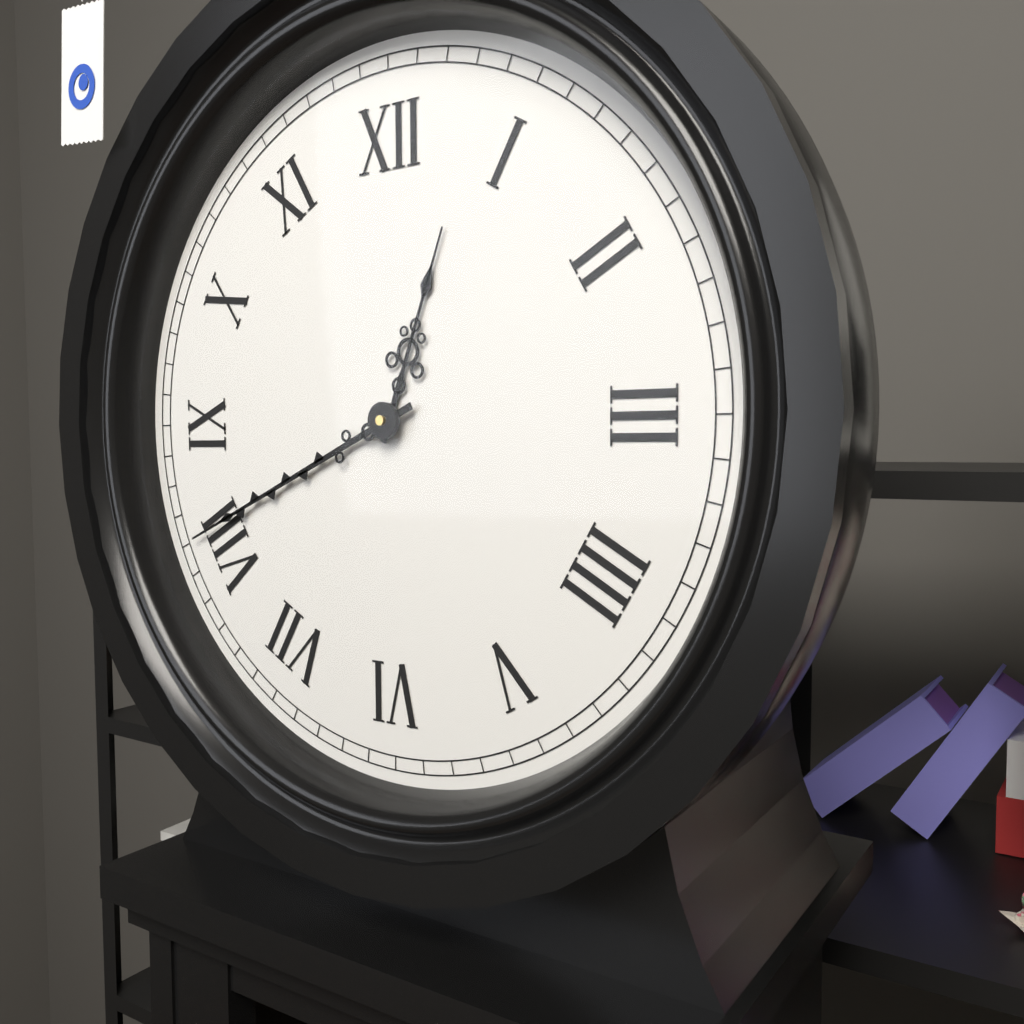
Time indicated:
12h41
